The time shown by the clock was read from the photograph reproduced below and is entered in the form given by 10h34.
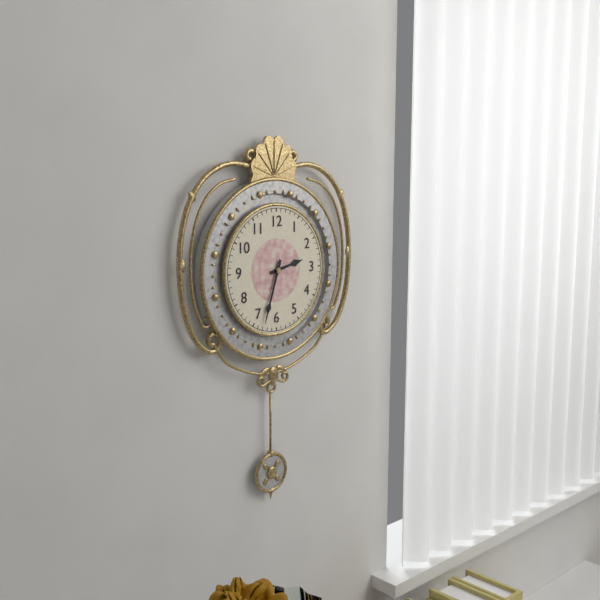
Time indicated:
2h33
